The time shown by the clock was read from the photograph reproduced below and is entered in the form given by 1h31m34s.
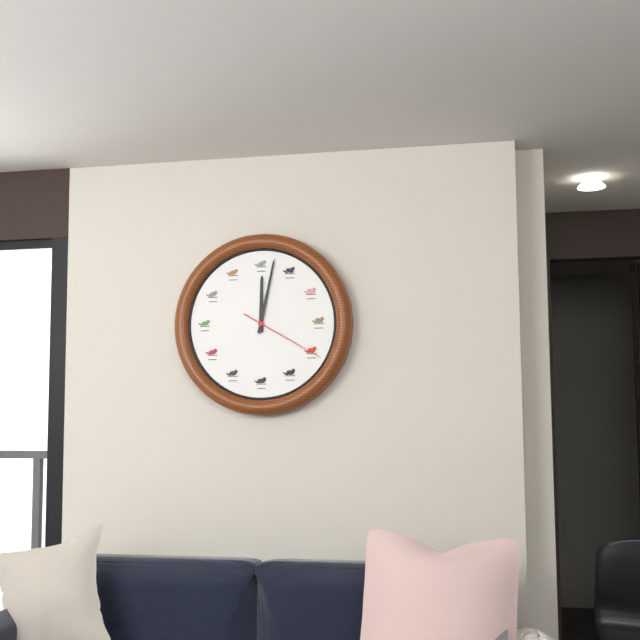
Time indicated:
12h02m20s
